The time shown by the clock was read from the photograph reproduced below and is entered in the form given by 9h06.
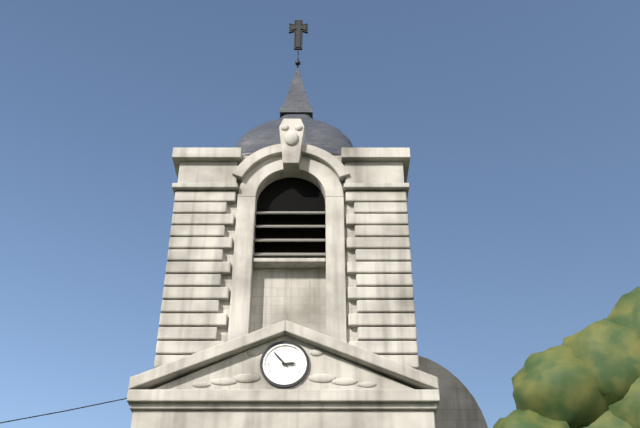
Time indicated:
2h53
